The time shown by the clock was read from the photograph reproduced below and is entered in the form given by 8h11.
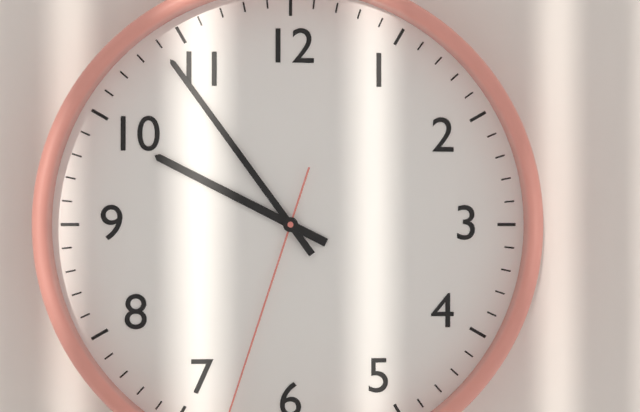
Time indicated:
9h54
